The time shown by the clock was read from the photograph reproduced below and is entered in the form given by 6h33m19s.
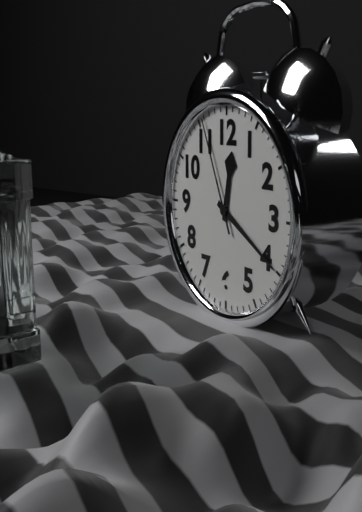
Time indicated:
12h20m56s
